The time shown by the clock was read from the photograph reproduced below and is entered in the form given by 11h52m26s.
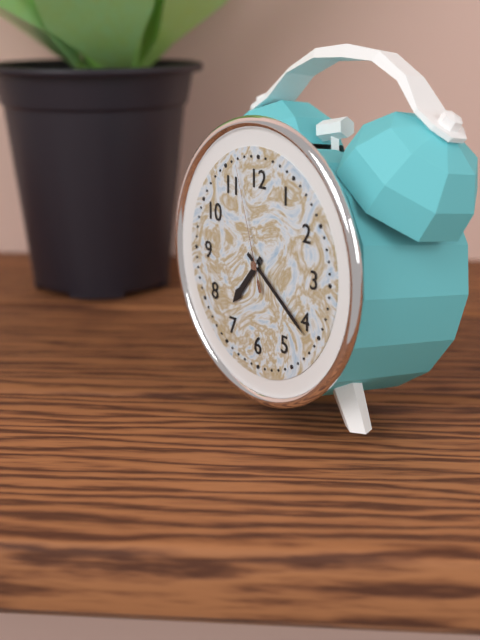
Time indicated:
7h21m57s
